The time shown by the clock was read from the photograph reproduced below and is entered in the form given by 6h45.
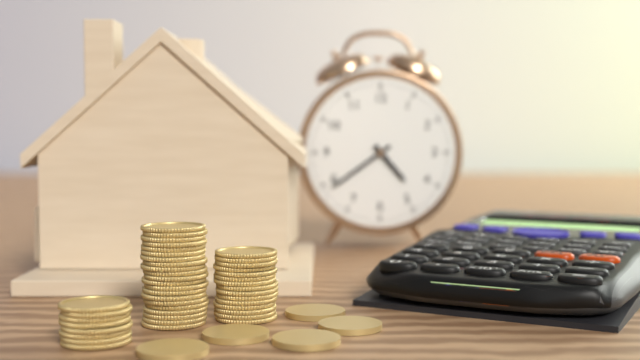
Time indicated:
4h39
